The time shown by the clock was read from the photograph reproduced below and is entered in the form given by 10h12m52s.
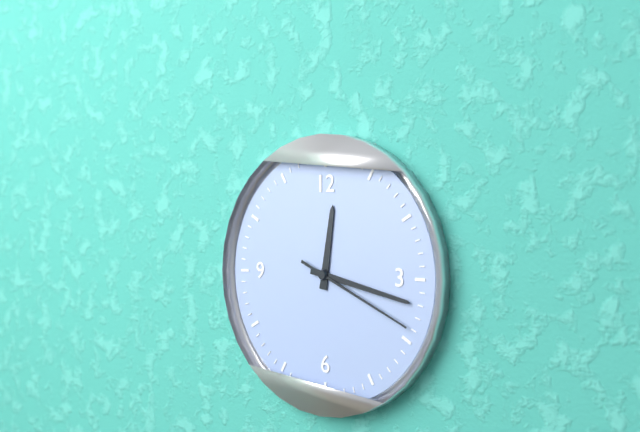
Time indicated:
12h17m19s
